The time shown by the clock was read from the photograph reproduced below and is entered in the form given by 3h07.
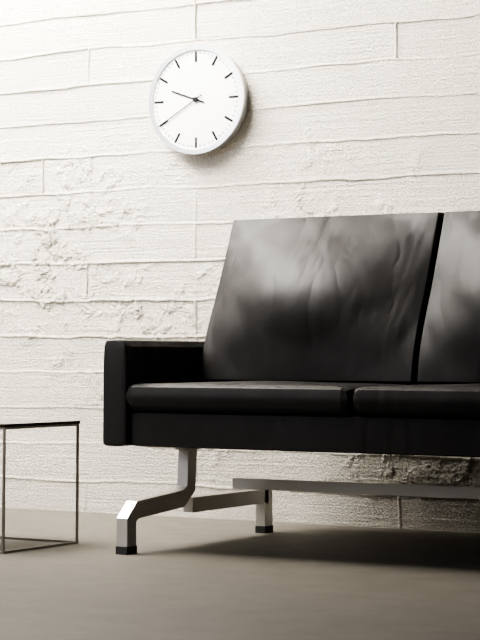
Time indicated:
9h40
